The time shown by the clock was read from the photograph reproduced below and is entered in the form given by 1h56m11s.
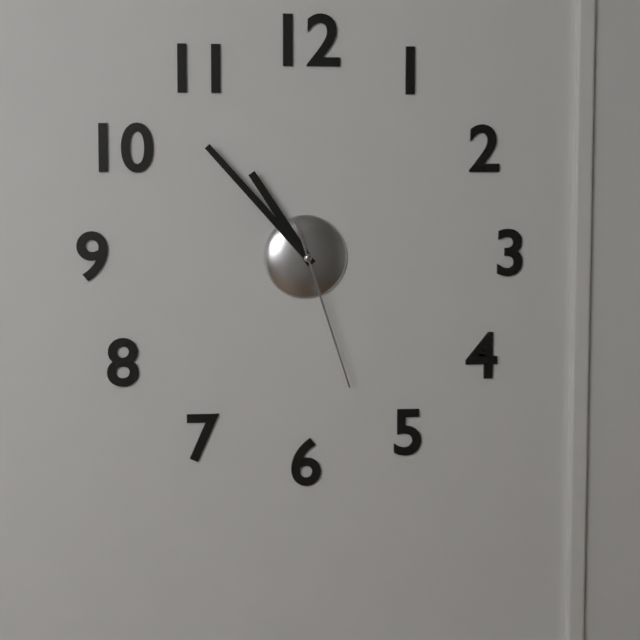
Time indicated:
10h53m27s
